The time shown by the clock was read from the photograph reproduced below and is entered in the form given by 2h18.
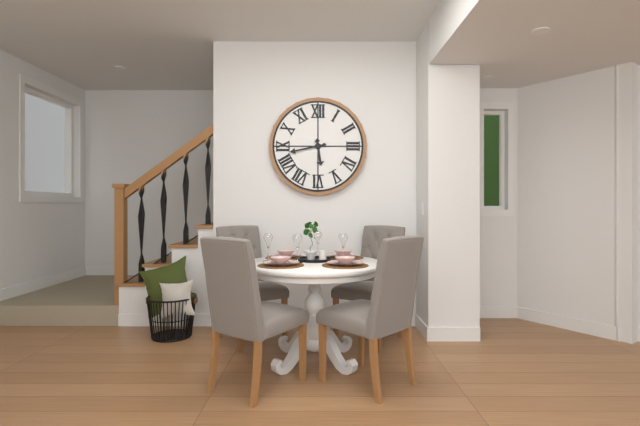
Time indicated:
5h43
